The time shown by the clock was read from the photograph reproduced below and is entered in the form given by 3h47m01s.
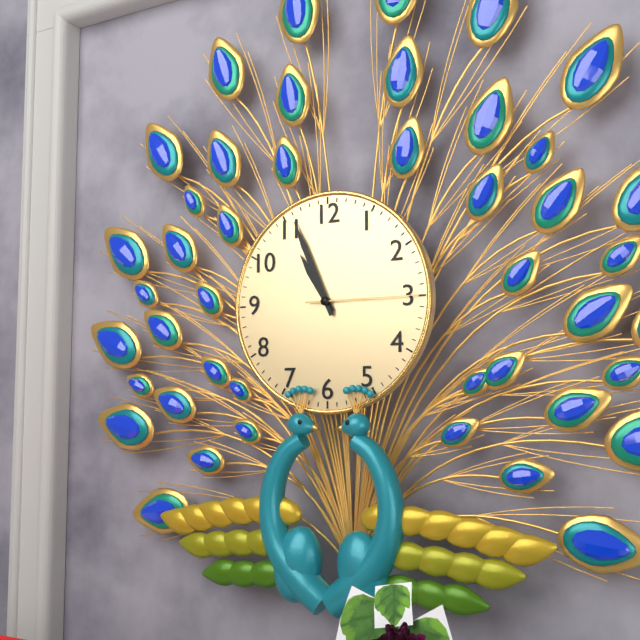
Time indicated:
10h56m15s
